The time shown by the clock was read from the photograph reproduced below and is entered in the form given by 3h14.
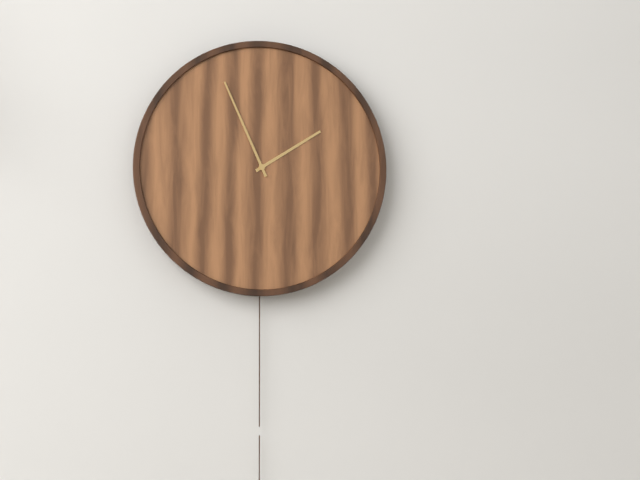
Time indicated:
1h56
